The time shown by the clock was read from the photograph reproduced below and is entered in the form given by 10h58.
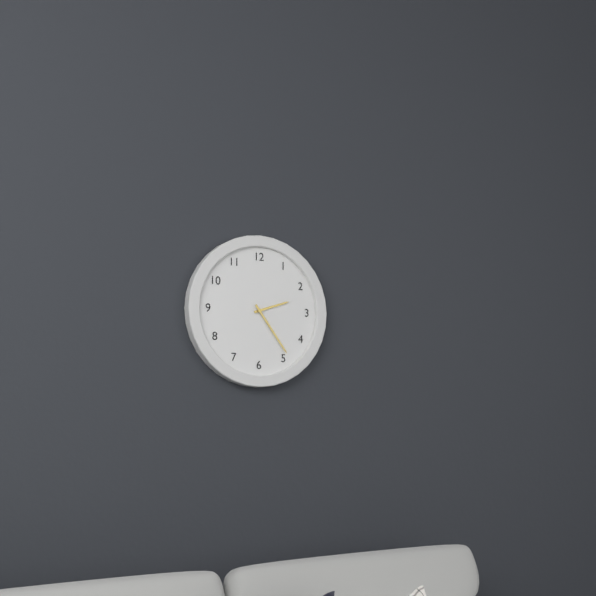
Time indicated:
2h24
